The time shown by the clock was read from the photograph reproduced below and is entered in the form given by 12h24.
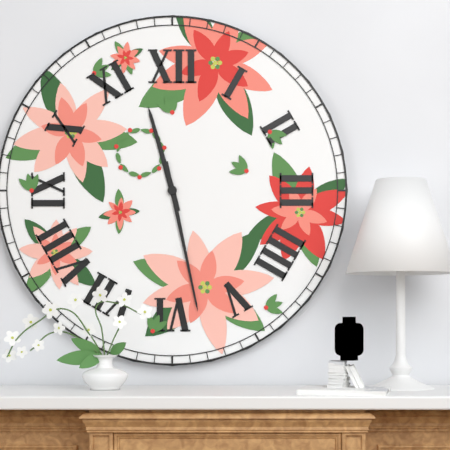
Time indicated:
11h28
